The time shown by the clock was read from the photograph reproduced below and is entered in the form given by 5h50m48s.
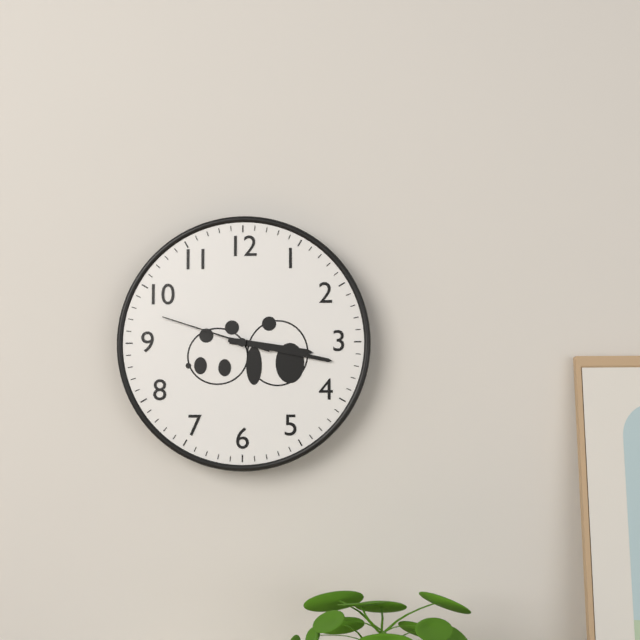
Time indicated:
3h17m48s
